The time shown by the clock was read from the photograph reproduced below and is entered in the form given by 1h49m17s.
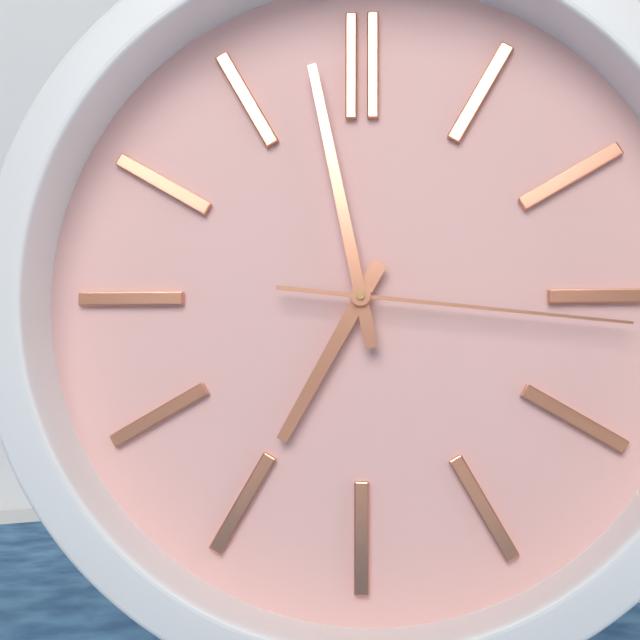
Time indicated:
6h58m16s
